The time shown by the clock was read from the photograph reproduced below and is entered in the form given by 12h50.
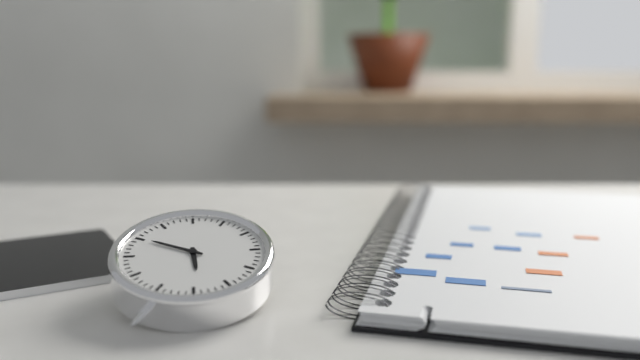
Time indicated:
5h50
